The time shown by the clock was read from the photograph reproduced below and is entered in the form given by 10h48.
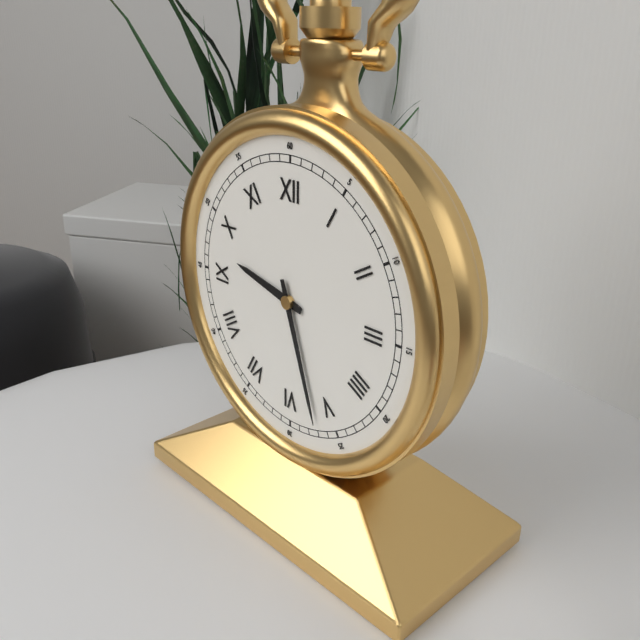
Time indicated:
9h27
